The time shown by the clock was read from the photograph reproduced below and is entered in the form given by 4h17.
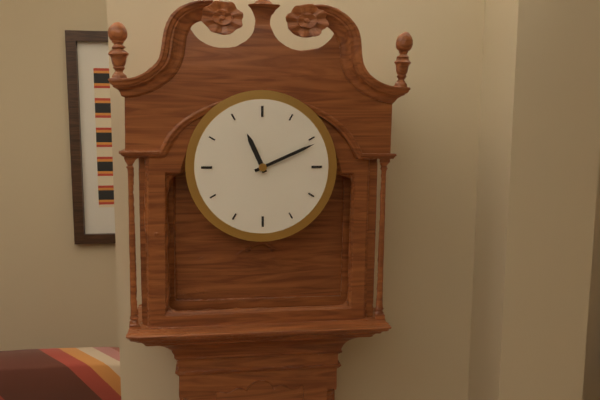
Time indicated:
11h11
